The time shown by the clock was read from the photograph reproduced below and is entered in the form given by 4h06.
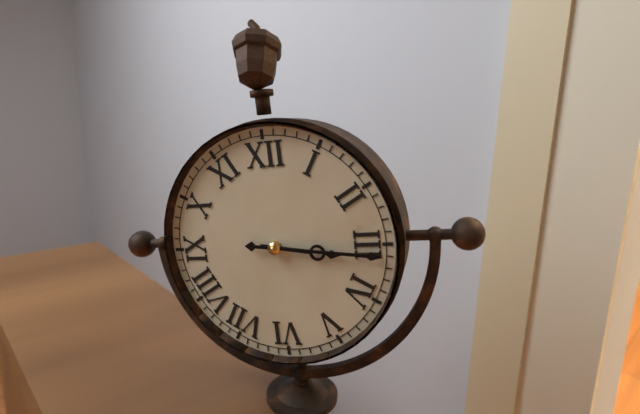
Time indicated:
3h16
